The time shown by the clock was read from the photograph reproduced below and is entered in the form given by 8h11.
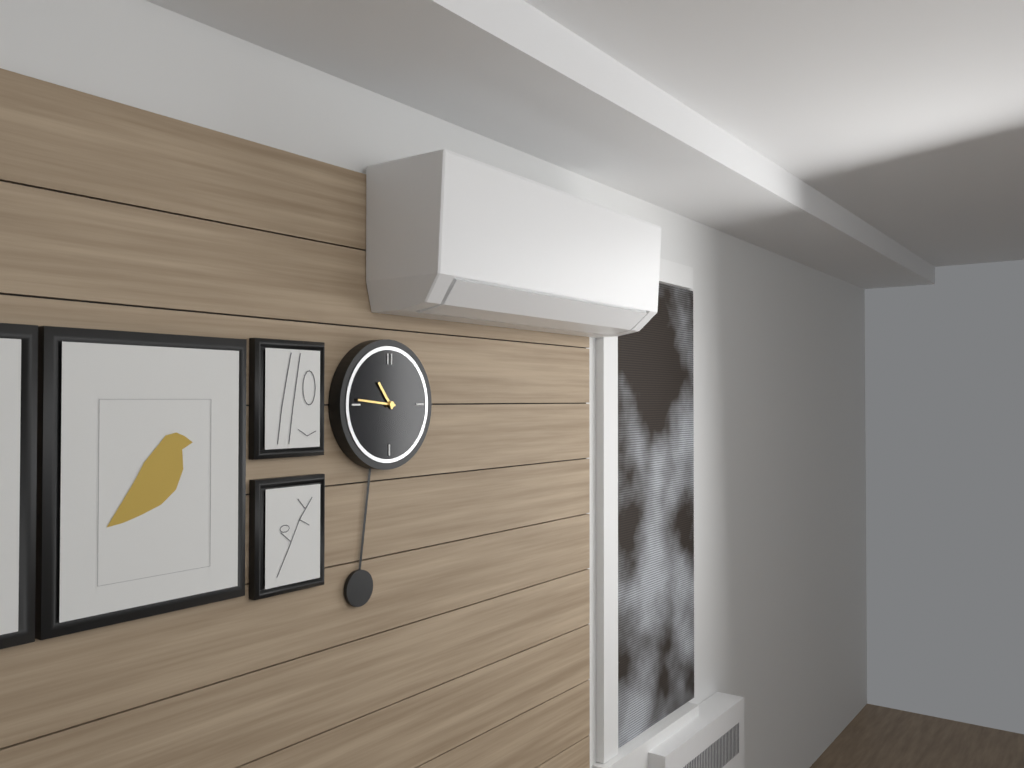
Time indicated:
10h46
